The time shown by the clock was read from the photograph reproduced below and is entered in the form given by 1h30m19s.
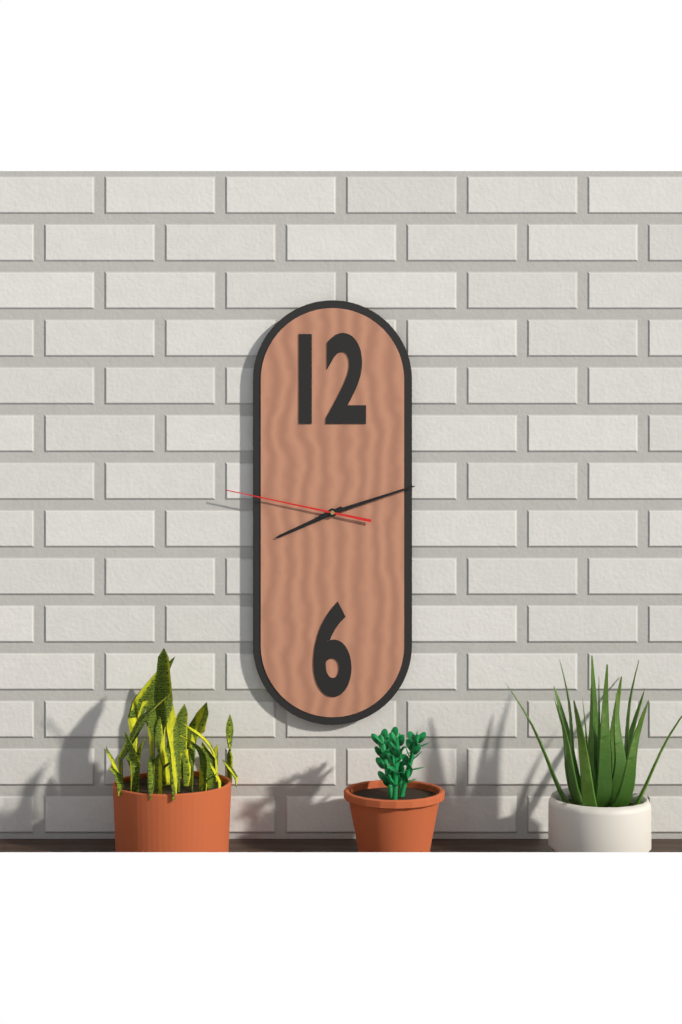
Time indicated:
8h12m47s
